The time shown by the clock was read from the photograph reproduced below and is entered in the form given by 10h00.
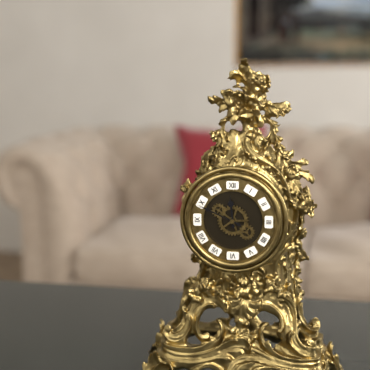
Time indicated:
11h49
